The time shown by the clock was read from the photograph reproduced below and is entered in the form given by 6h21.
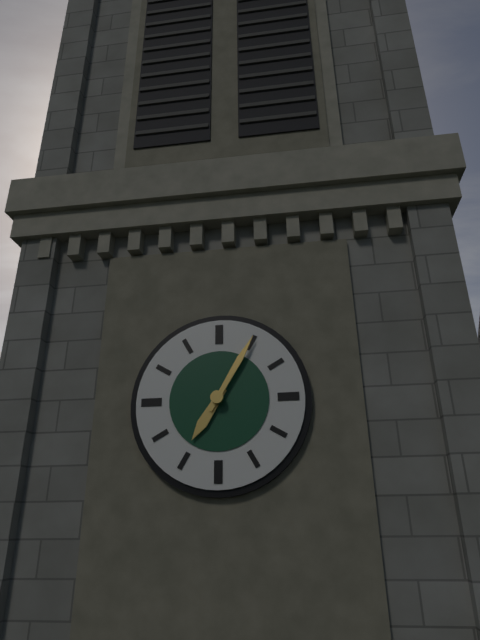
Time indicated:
7h05
